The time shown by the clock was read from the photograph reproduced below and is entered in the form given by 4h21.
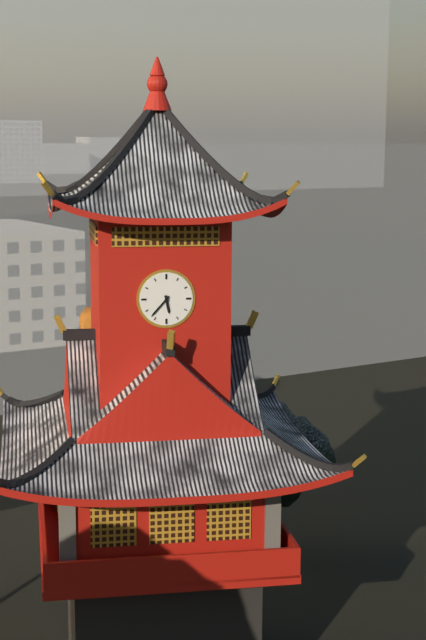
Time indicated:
5h37
